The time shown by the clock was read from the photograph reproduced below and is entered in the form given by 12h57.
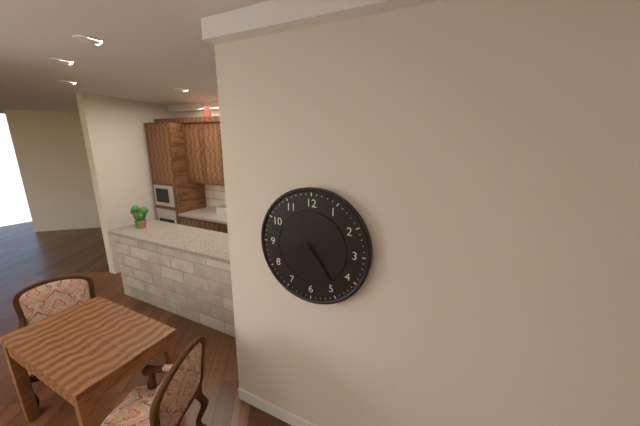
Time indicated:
8h24
